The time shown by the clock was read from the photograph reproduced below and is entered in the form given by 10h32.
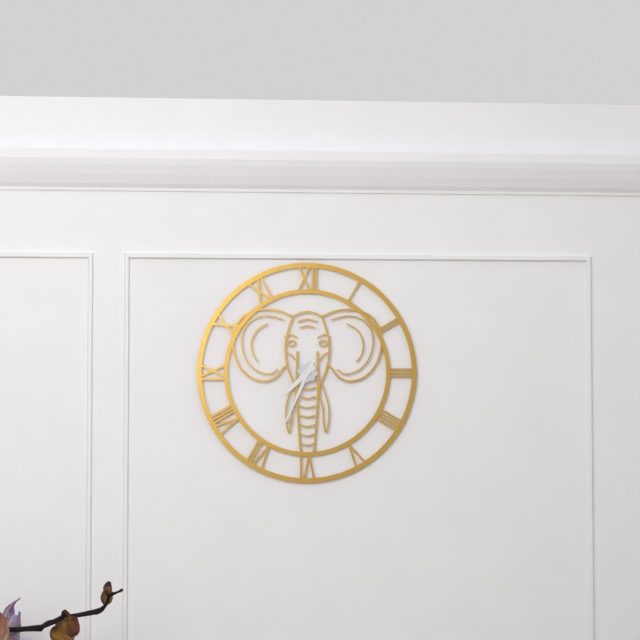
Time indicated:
7h34
